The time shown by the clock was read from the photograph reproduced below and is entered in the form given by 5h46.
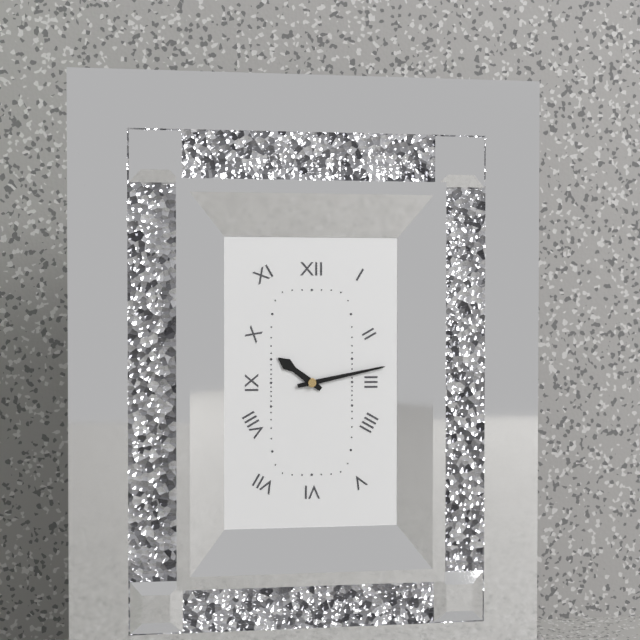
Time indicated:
10h13
